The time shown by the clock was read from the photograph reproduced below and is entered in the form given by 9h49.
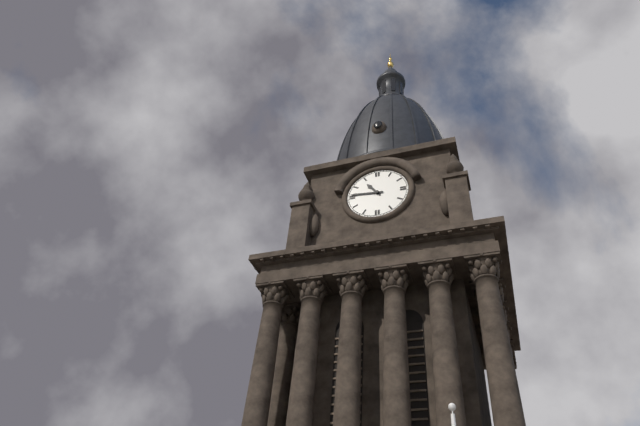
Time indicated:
10h46
